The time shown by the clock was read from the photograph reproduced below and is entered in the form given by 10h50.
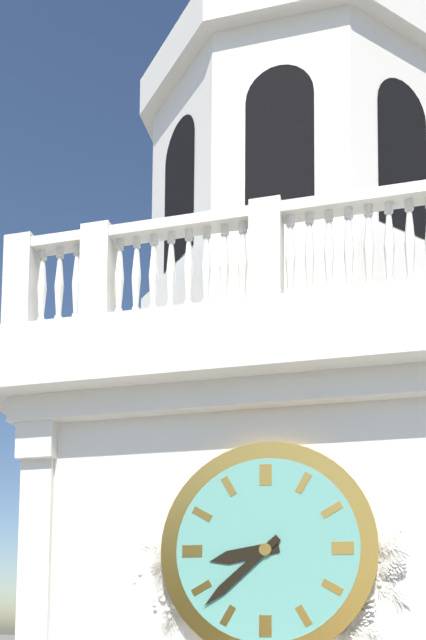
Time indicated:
8h38
